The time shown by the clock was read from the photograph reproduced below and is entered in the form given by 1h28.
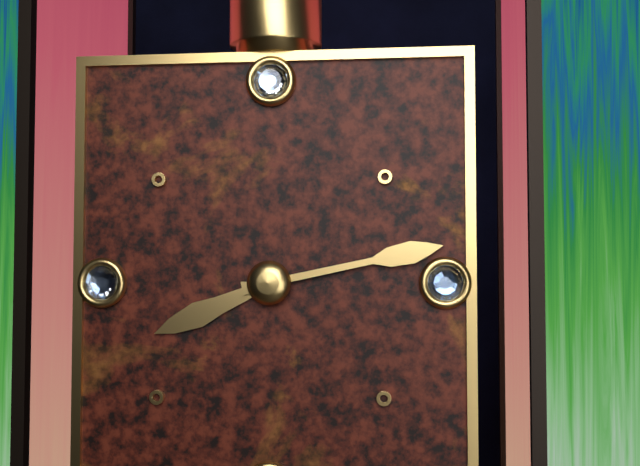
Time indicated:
8h13
